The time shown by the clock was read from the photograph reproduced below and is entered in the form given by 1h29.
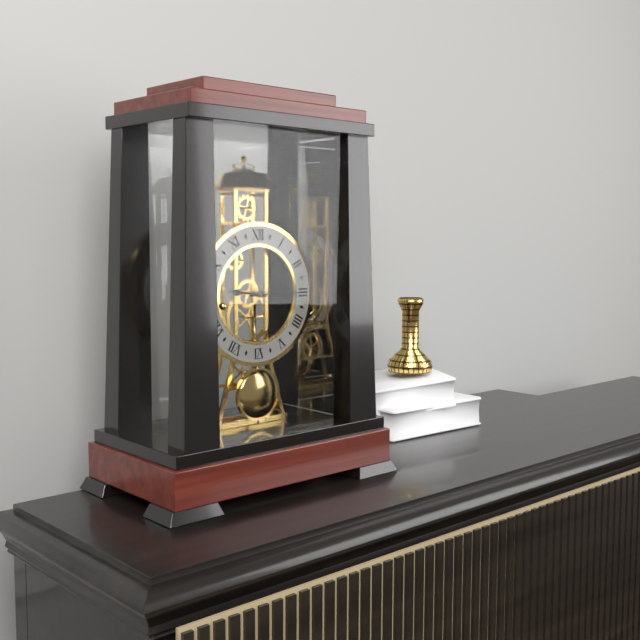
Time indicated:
9h15
